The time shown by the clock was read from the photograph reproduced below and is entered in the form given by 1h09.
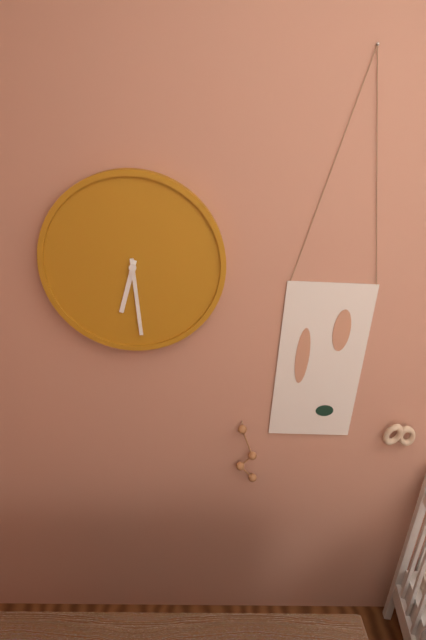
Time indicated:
6h29
